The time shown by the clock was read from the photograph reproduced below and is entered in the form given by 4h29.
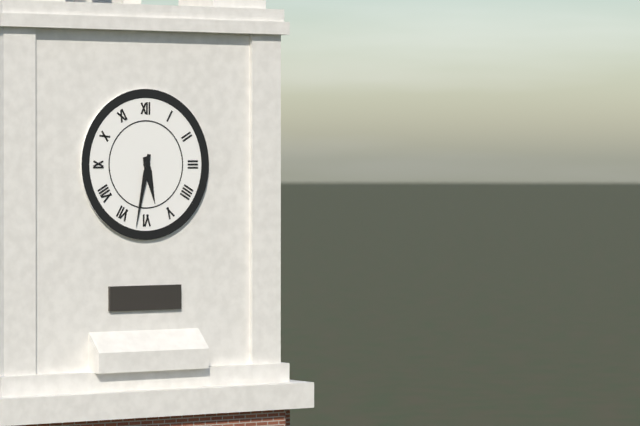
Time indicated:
5h32
